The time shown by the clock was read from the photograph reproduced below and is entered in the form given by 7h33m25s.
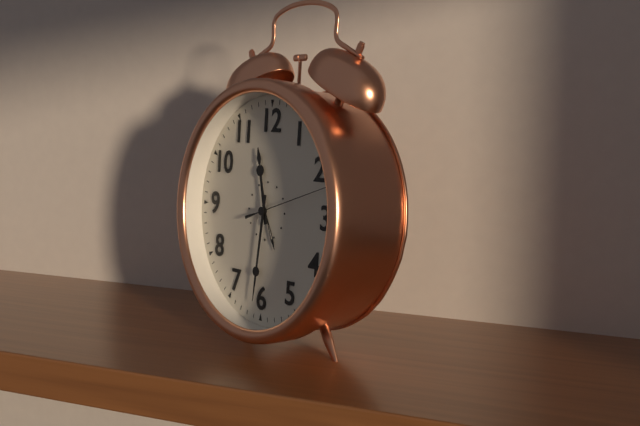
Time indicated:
11h31m12s
